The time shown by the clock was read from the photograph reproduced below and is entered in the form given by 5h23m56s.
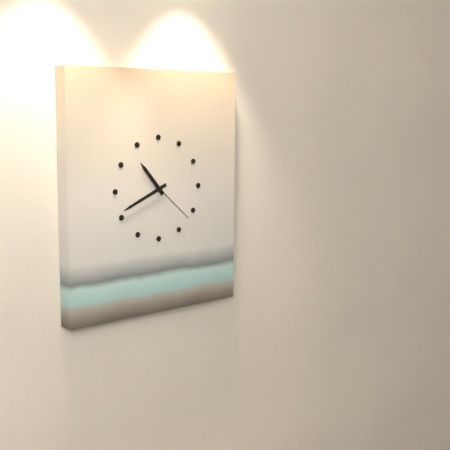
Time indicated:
10h41m22s
